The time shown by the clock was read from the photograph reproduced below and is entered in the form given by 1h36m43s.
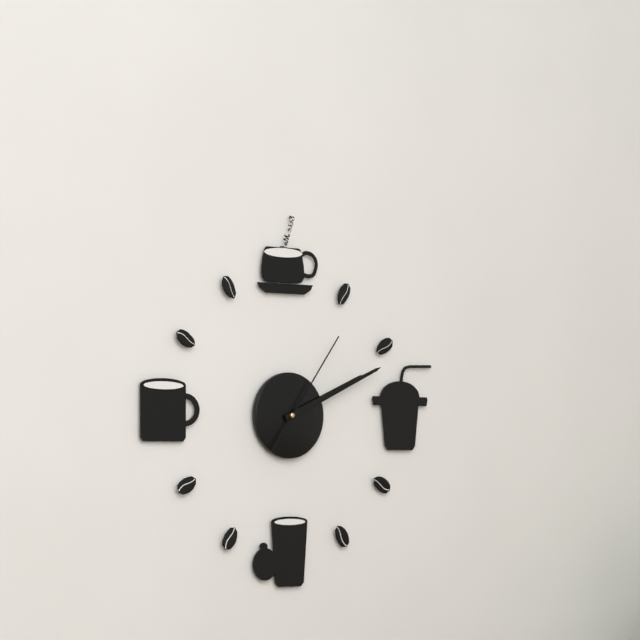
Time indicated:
2h11m06s
